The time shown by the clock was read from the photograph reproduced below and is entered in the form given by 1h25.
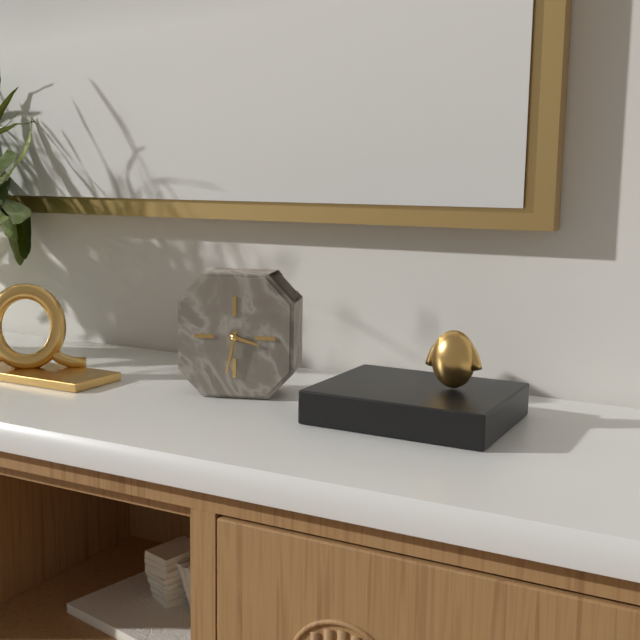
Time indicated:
3h32
